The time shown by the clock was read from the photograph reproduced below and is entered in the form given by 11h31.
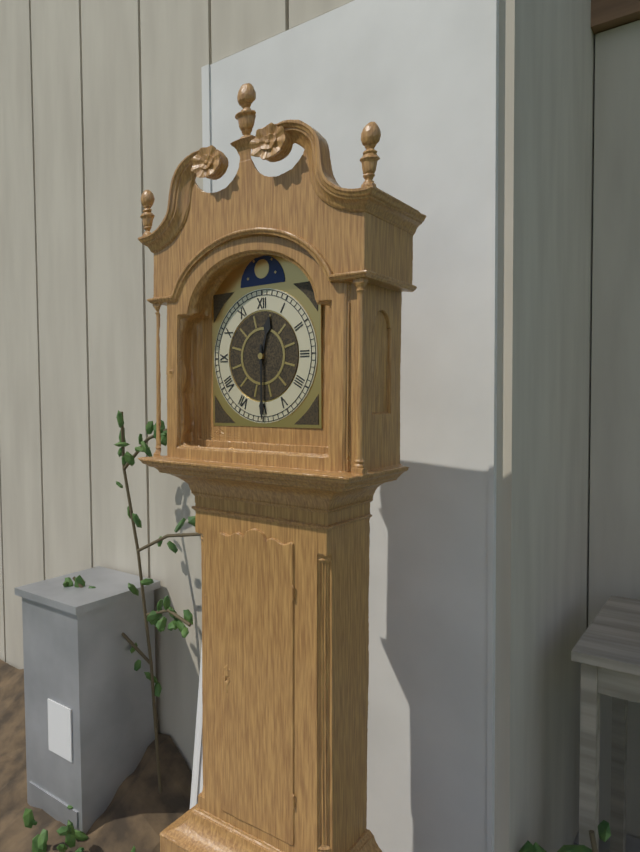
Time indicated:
12h30
